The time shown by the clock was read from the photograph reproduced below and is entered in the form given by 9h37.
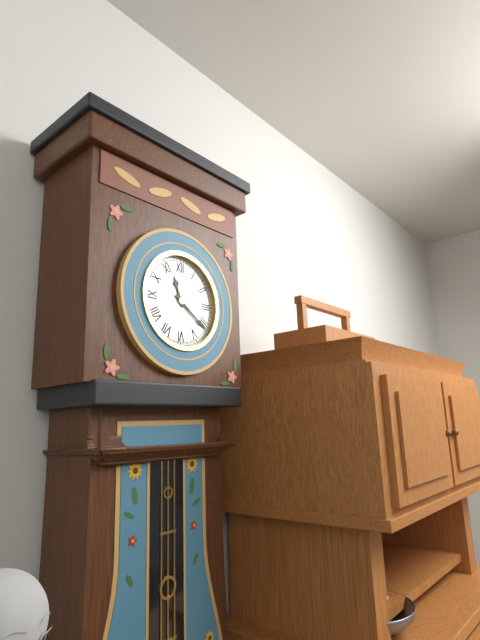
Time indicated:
11h21
